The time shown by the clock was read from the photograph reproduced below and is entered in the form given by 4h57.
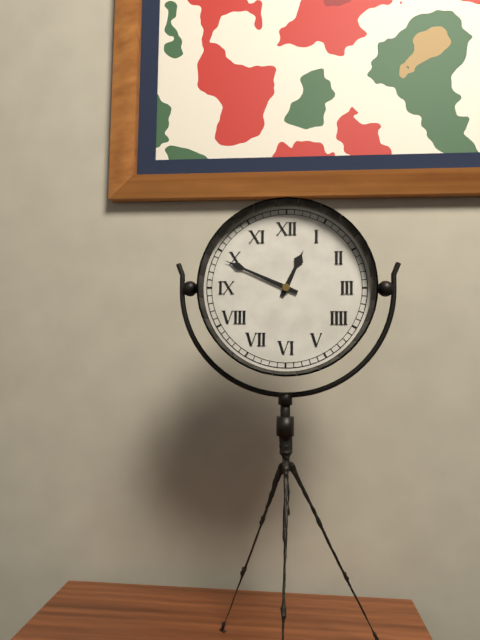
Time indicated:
12h49
